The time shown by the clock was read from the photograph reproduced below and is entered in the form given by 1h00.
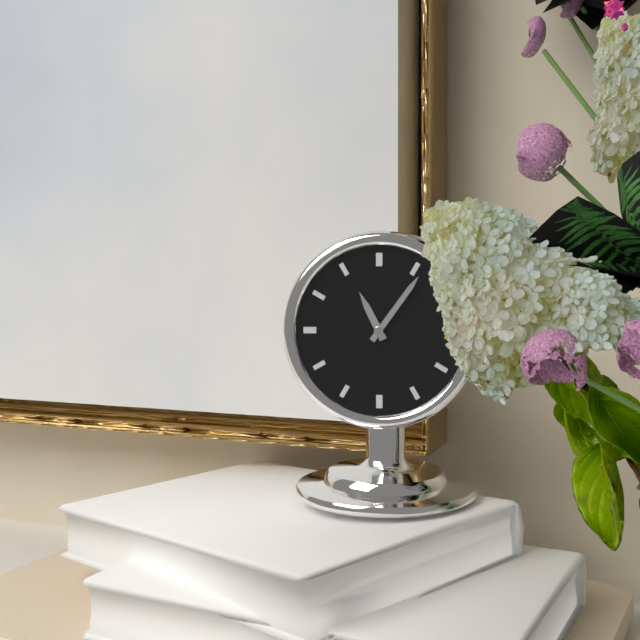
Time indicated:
11h06
